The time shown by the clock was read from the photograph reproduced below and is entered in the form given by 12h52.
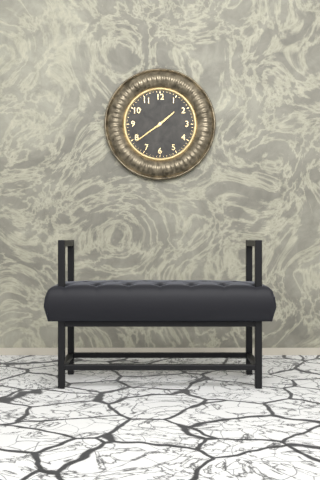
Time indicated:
1h39
